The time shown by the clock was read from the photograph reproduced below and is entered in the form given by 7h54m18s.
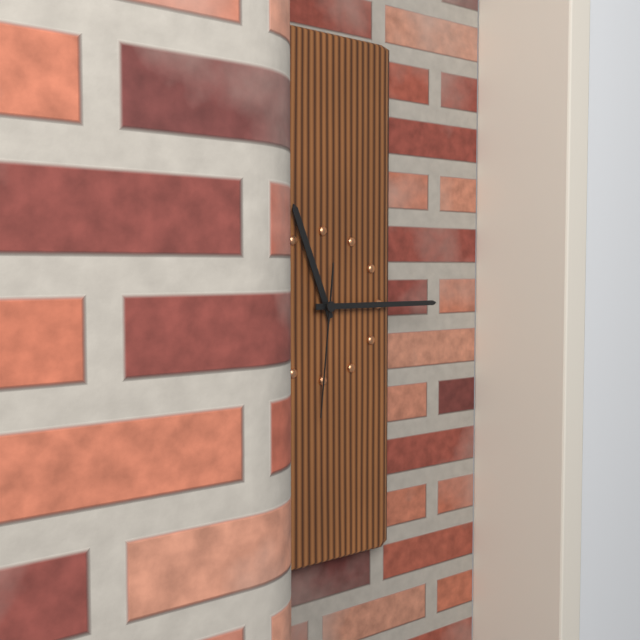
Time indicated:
11h15m31s
